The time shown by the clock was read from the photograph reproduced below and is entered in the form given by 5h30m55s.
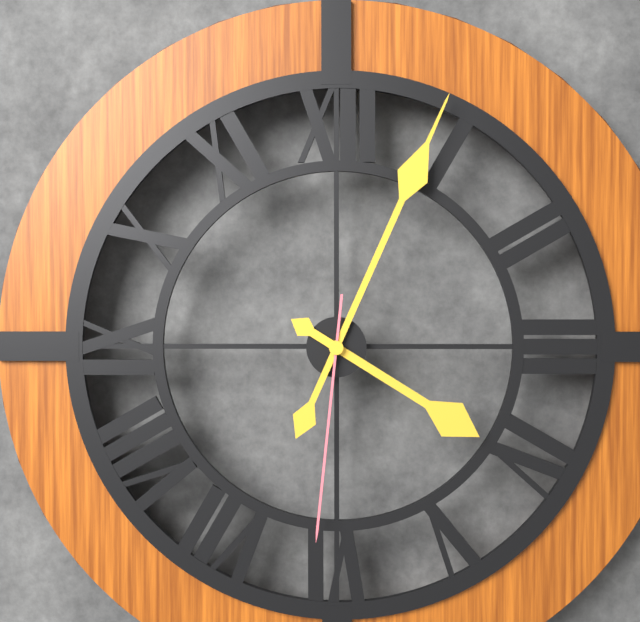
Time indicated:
4h04m31s
